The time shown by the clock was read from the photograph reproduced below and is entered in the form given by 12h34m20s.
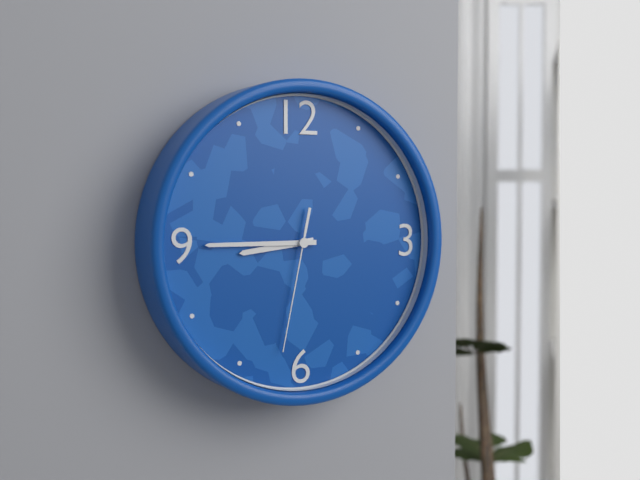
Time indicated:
8h45m32s
